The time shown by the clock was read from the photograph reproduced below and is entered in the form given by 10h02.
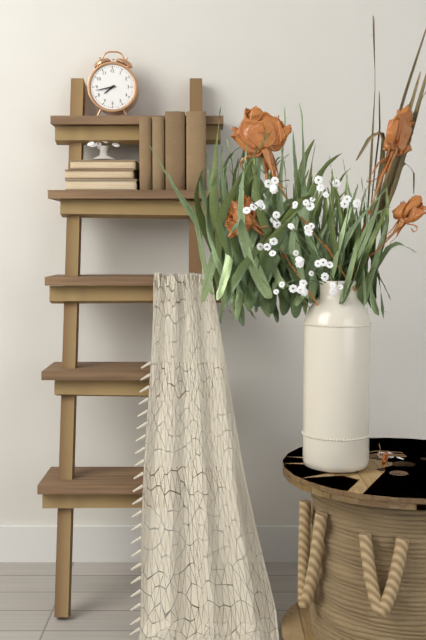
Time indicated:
7h43
